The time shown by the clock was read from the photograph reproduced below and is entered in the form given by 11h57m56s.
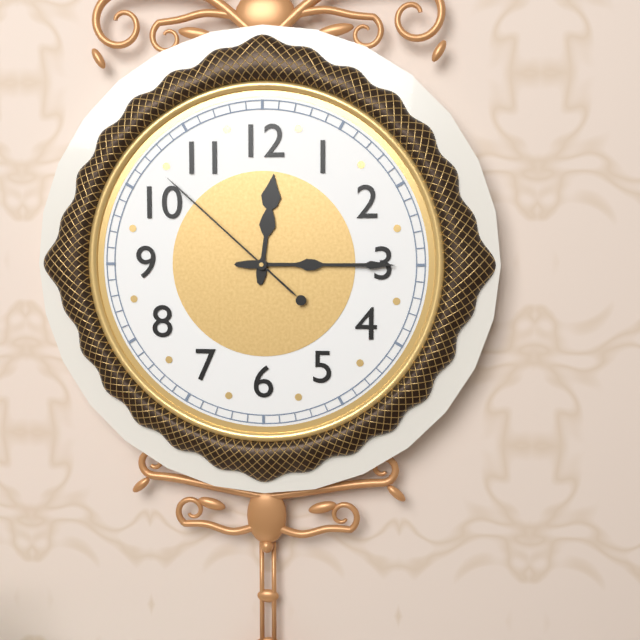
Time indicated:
12h15m52s
